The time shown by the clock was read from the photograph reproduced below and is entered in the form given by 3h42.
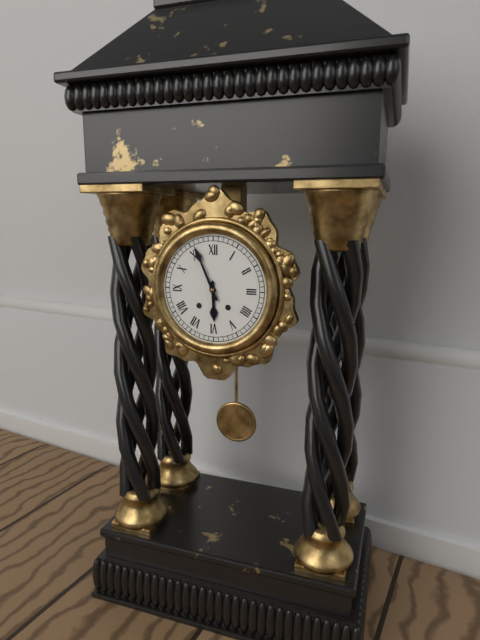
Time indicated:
5h56
